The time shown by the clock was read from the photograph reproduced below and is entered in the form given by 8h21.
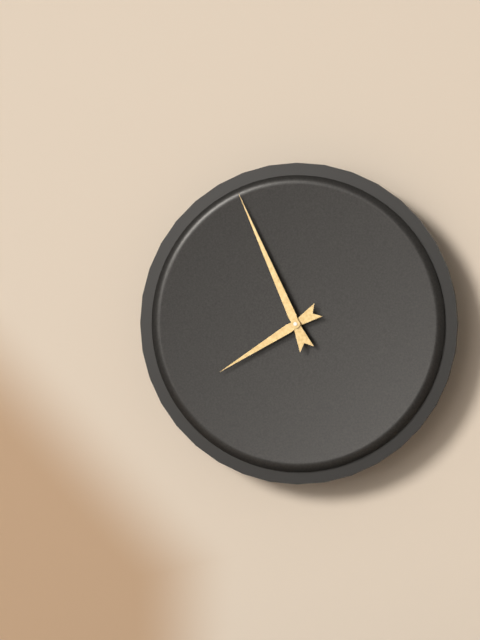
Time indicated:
7h56
